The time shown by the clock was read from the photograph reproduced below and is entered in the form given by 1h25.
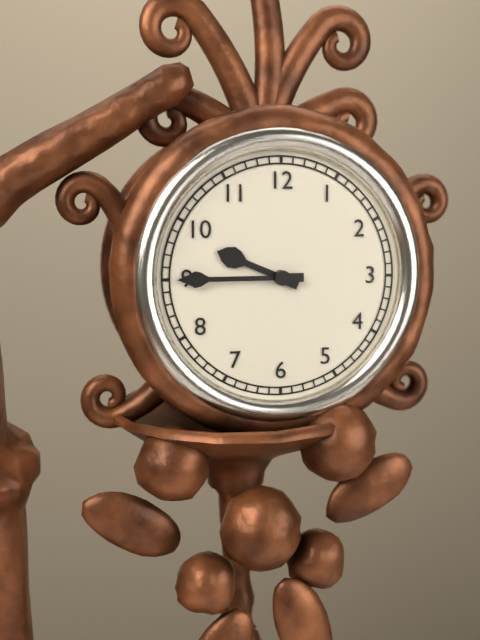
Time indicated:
9h45
